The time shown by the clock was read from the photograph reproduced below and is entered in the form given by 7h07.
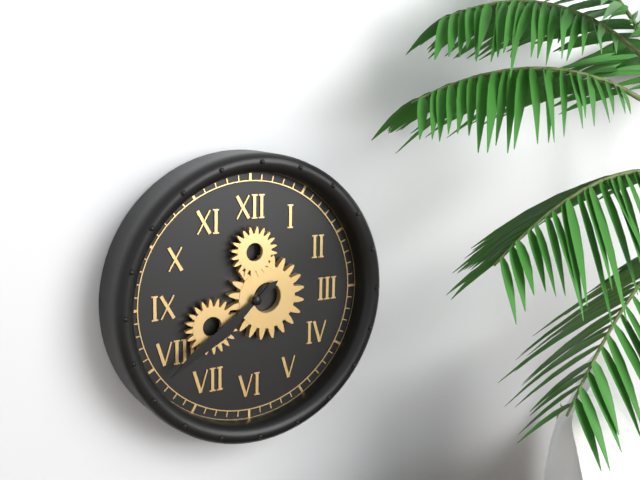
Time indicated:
7h39
